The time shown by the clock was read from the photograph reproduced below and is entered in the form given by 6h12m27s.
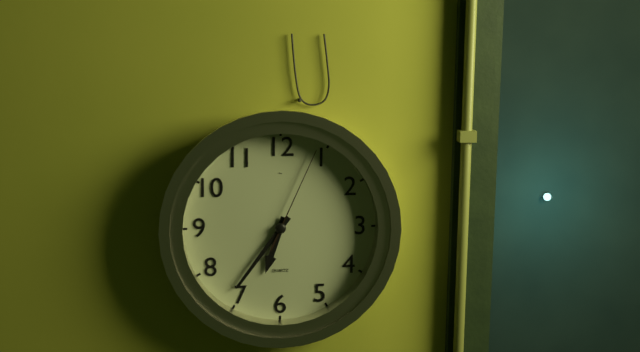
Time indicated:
6h36m04s
